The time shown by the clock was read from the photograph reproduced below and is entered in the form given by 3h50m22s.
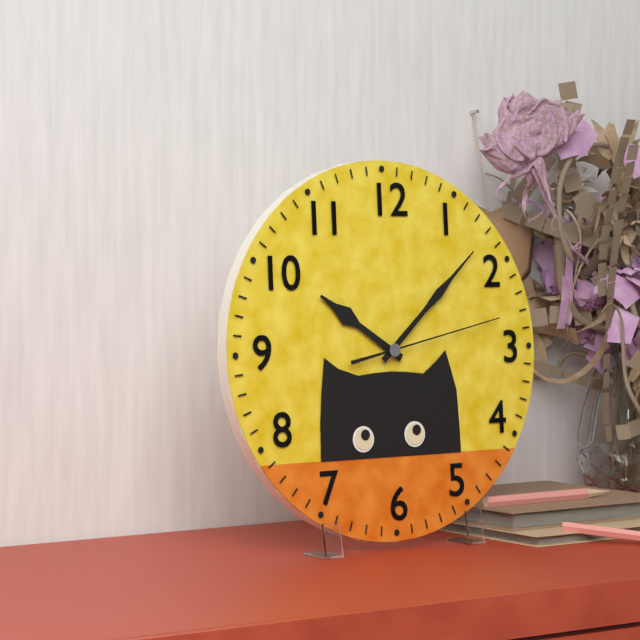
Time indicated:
10h08m13s
